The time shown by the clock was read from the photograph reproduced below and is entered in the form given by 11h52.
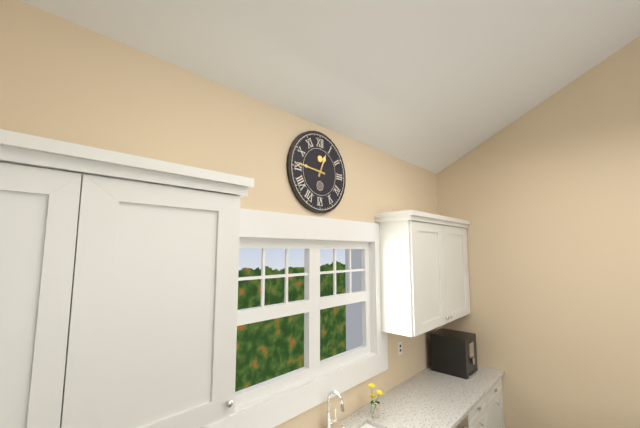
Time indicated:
12h46
